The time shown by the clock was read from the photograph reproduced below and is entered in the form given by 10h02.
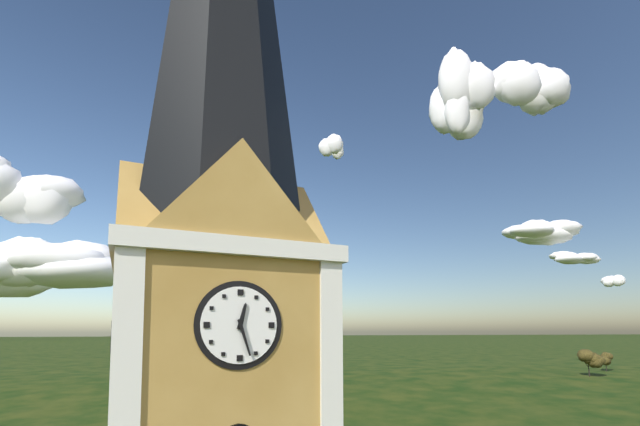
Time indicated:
12h27
